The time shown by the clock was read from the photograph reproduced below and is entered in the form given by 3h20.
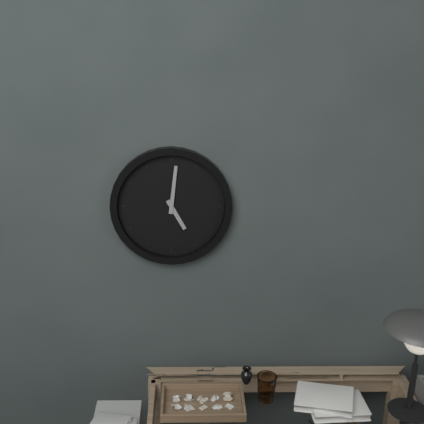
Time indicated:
5h01
